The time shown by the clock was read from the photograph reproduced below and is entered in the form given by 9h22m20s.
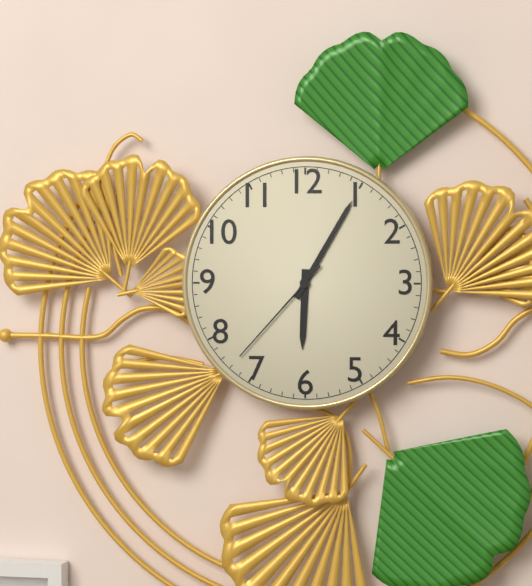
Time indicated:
6h05m37s
